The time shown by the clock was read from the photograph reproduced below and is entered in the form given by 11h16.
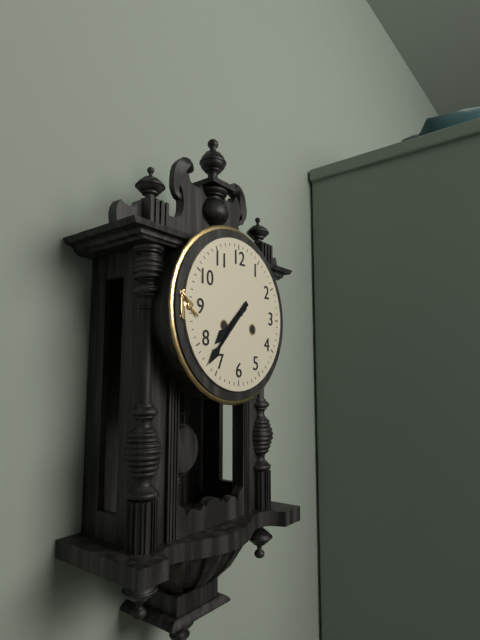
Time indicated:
7h37
